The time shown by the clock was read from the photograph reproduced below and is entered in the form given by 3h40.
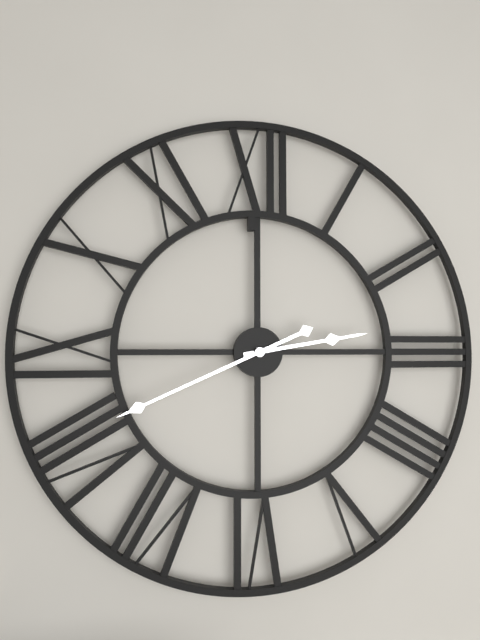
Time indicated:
2h41
